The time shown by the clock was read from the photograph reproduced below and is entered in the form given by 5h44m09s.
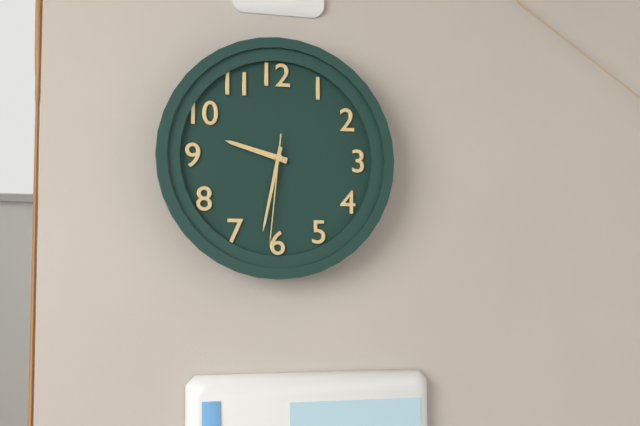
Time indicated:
9h32m31s
